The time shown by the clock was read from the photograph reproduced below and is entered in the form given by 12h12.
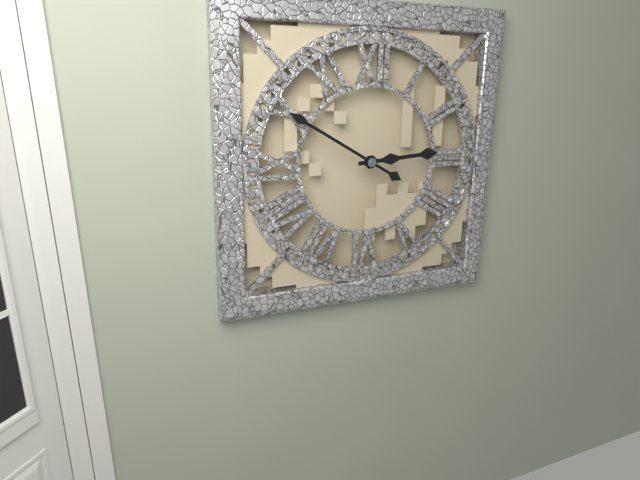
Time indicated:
2h50
